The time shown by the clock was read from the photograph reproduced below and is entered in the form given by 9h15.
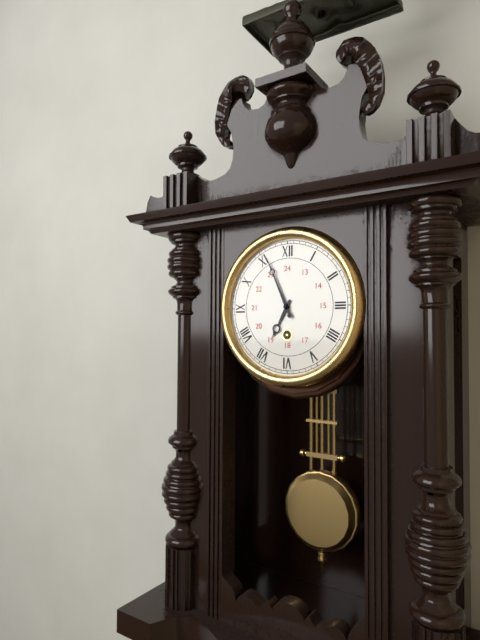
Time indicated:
6h56
